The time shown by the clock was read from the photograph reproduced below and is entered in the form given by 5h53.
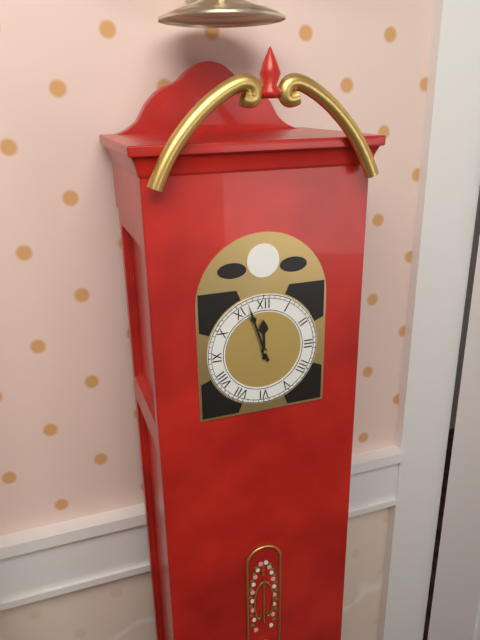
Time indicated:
11h57
